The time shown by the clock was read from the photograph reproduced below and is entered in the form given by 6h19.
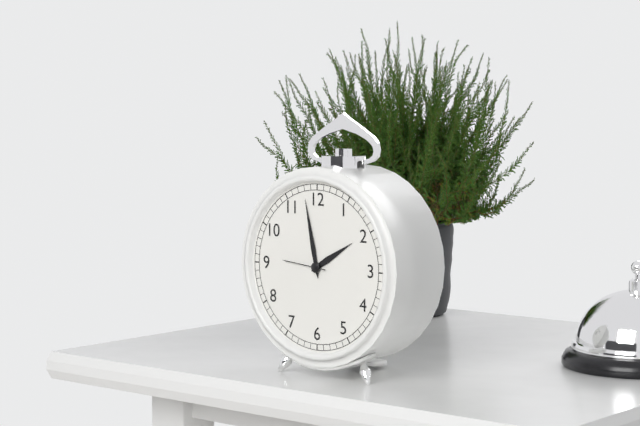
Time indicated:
1h58
